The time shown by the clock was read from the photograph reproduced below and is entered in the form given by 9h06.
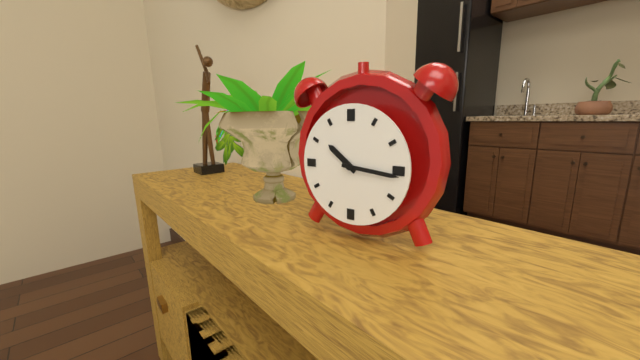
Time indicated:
10h16
